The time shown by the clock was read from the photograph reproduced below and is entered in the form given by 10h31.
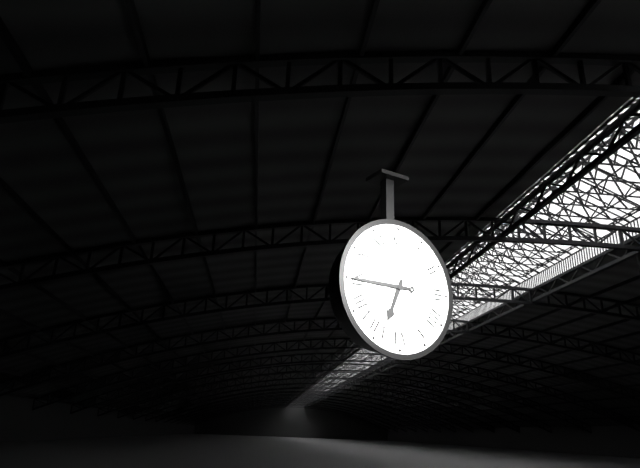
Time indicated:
6h45
